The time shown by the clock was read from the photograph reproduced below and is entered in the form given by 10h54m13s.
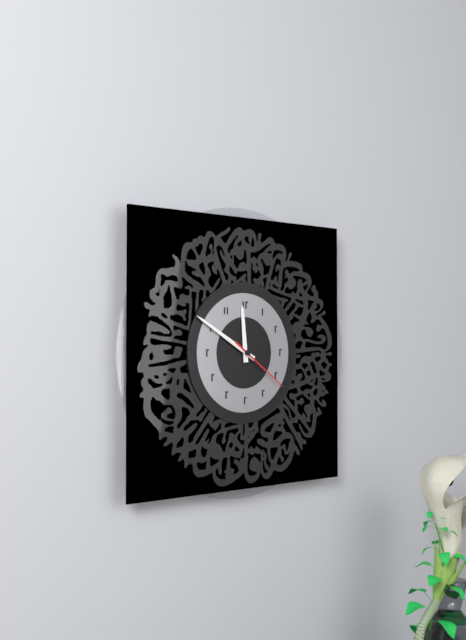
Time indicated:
11h50m21s
